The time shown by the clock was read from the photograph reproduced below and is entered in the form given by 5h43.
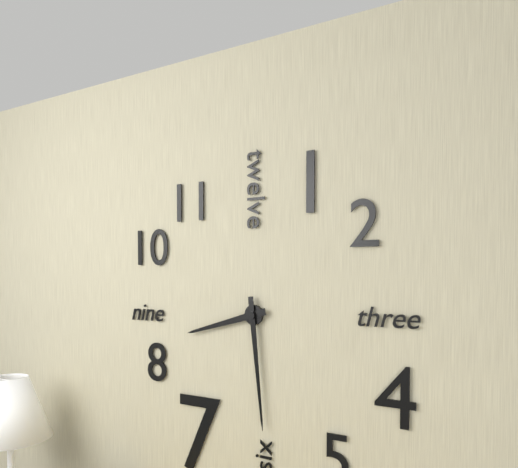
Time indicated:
8h29
